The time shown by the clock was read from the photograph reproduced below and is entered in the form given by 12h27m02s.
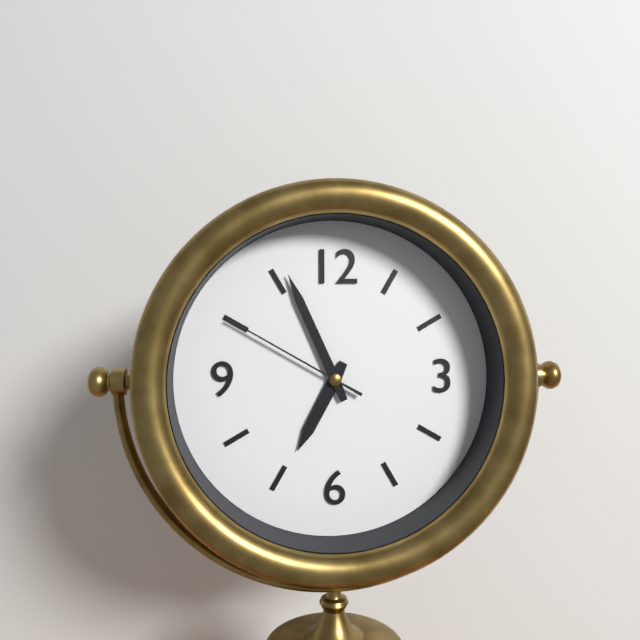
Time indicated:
6h56m50s
